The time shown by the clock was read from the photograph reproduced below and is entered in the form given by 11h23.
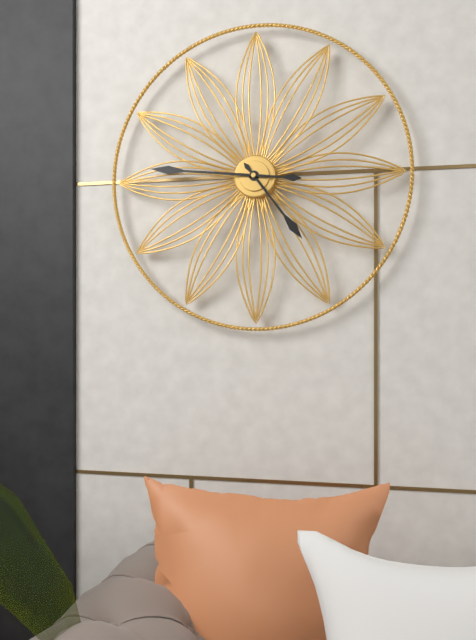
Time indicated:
4h46
